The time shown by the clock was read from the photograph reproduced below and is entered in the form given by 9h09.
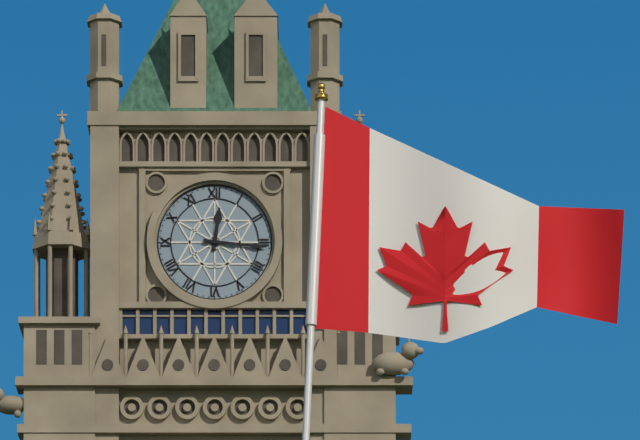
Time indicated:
12h16
